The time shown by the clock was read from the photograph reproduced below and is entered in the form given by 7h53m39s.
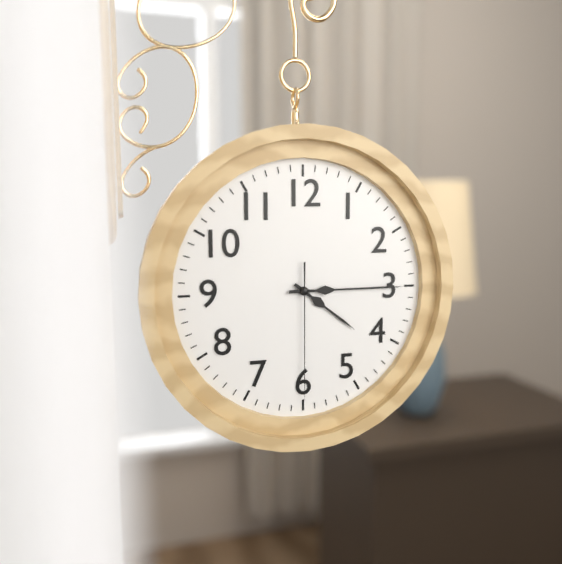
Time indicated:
4h15m30s
